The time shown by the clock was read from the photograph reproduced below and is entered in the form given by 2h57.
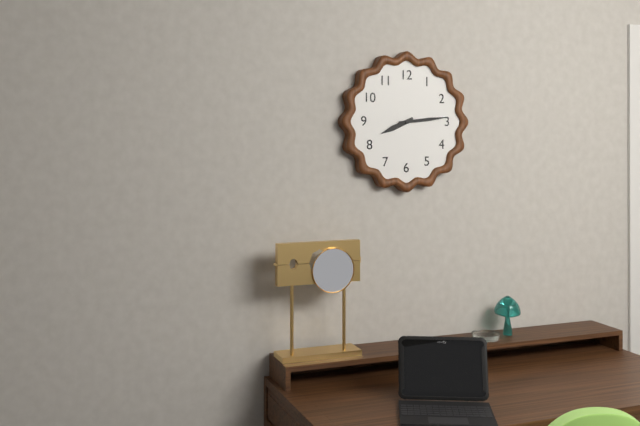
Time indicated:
8h14
